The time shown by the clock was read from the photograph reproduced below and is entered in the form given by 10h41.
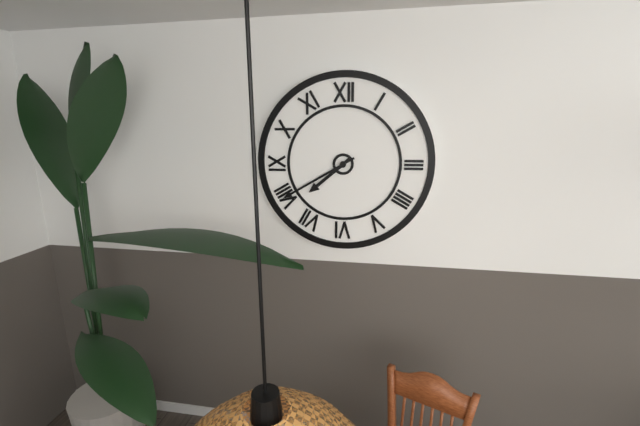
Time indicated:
7h40
